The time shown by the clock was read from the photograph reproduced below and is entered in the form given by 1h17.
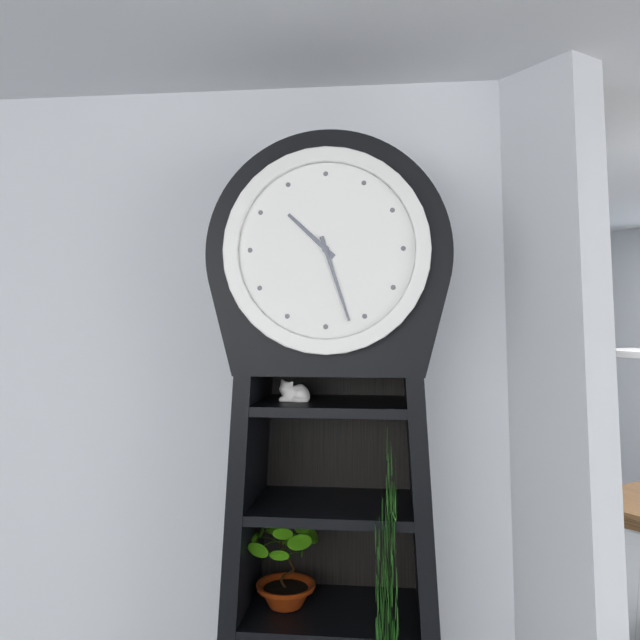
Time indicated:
10h27
